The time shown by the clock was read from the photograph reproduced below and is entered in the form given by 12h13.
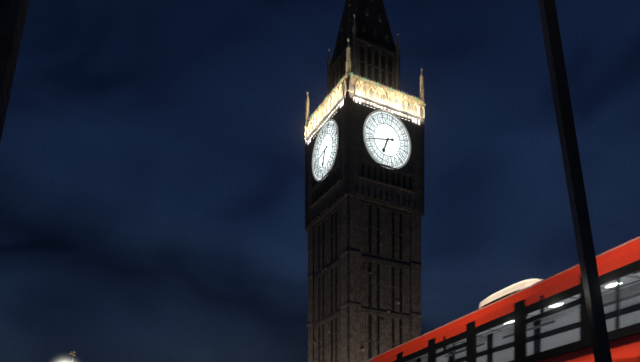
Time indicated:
6h43
